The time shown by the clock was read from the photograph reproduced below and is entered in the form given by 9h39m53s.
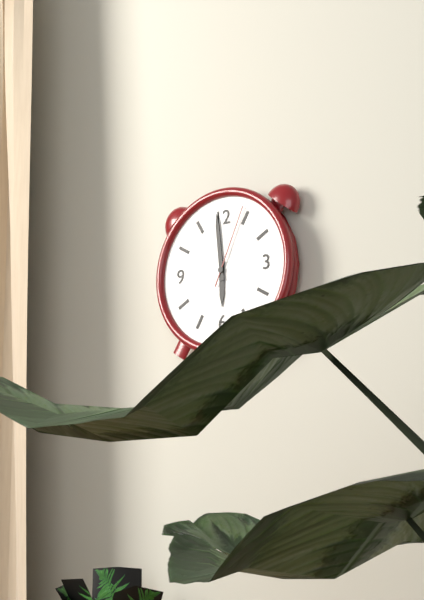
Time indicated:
5h59m04s
